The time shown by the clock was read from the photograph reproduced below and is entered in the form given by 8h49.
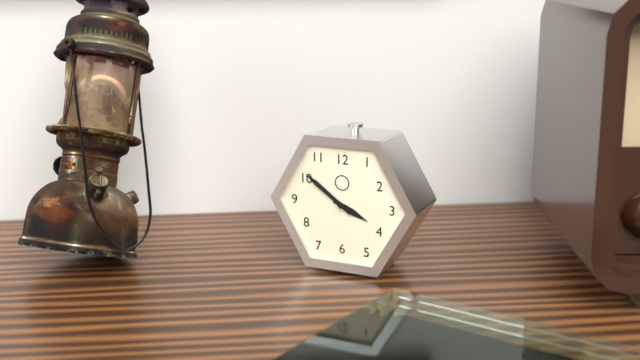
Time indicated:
3h51
